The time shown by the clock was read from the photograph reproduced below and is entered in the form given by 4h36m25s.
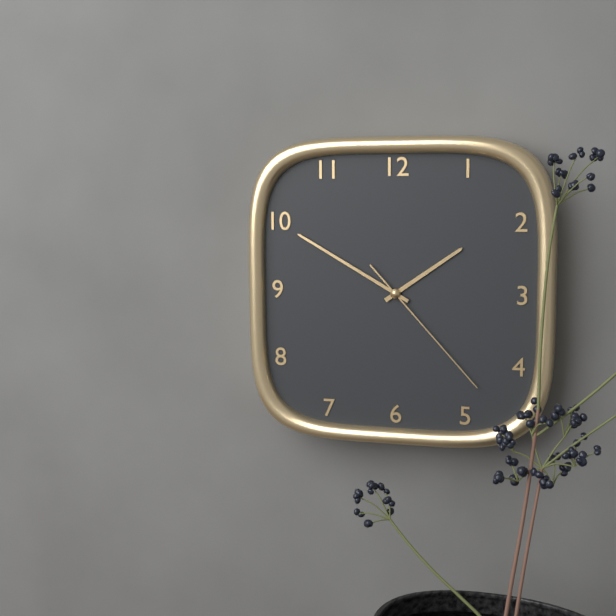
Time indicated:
1h50m23s
